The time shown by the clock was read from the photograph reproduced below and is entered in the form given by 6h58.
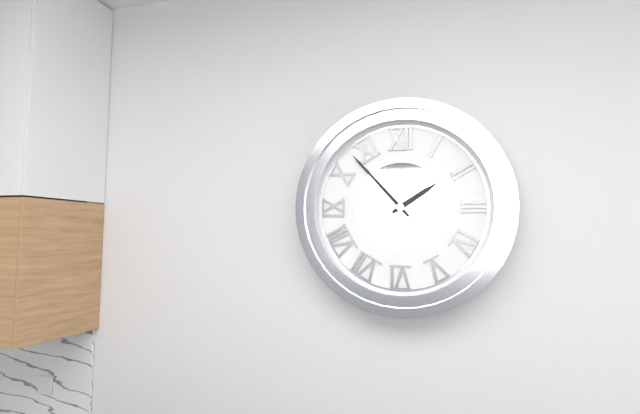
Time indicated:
1h53
